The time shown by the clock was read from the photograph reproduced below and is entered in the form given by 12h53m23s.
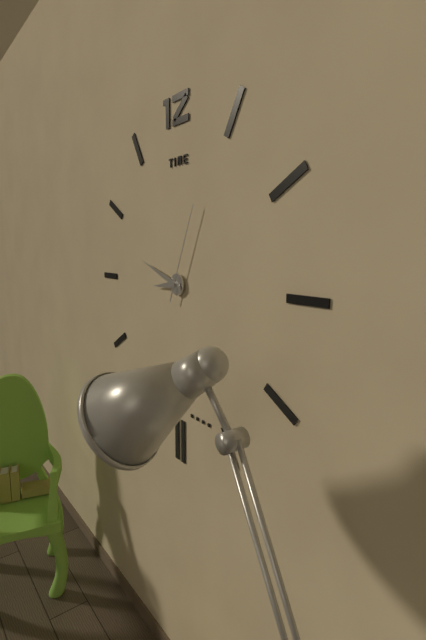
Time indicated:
8h48m04s
